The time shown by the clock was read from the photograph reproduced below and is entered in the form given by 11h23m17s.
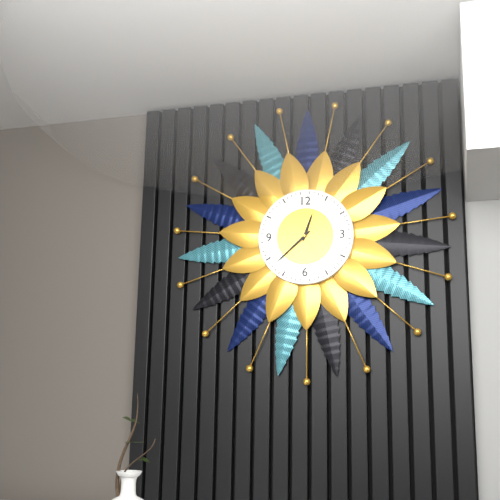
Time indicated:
12h38m25s
